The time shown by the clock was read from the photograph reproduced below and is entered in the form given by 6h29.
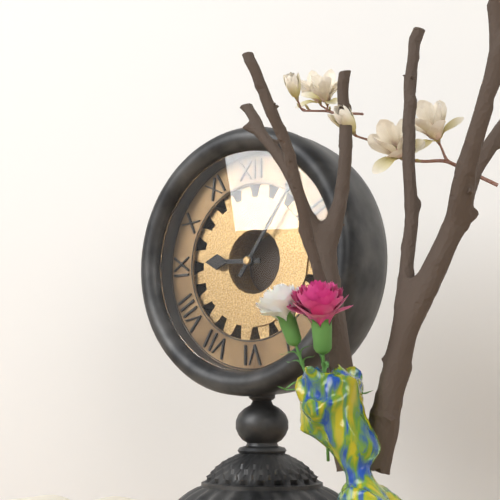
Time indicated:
9h06
